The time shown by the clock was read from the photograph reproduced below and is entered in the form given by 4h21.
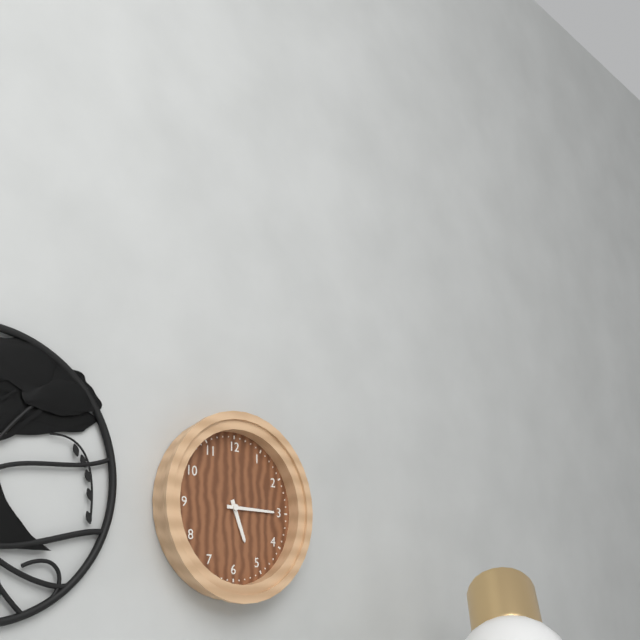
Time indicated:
5h15
